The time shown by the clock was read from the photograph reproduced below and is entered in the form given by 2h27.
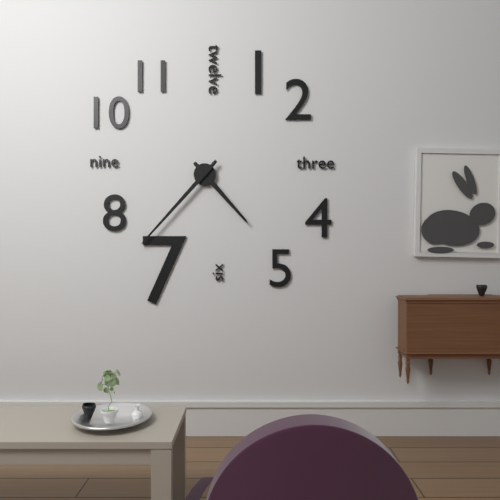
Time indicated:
4h37
